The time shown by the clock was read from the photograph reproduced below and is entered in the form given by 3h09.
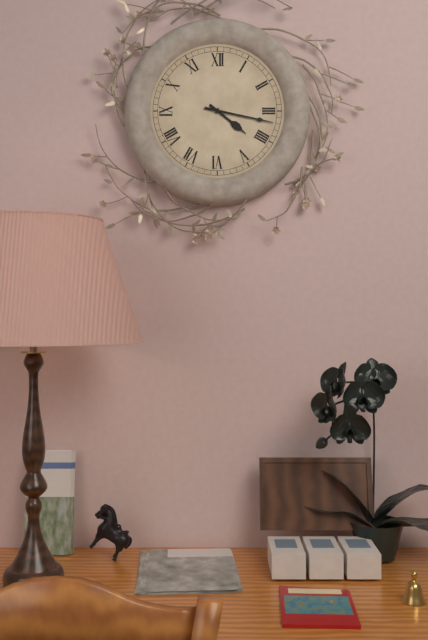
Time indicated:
4h17
